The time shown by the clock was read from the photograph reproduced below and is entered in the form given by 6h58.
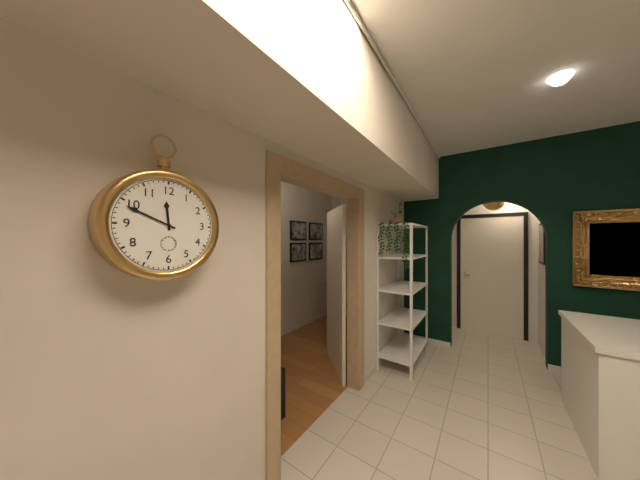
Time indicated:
11h49
